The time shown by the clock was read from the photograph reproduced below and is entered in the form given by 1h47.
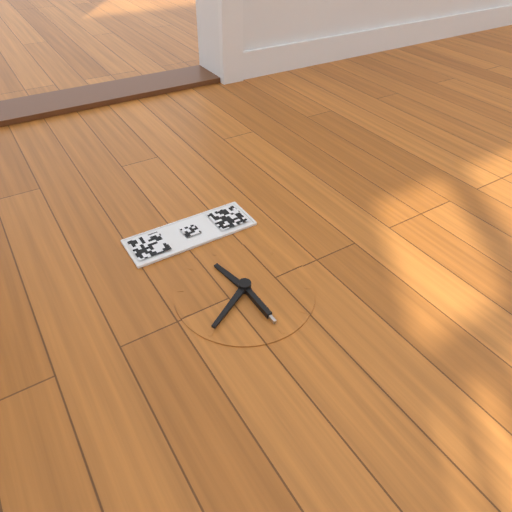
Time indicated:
11h40
